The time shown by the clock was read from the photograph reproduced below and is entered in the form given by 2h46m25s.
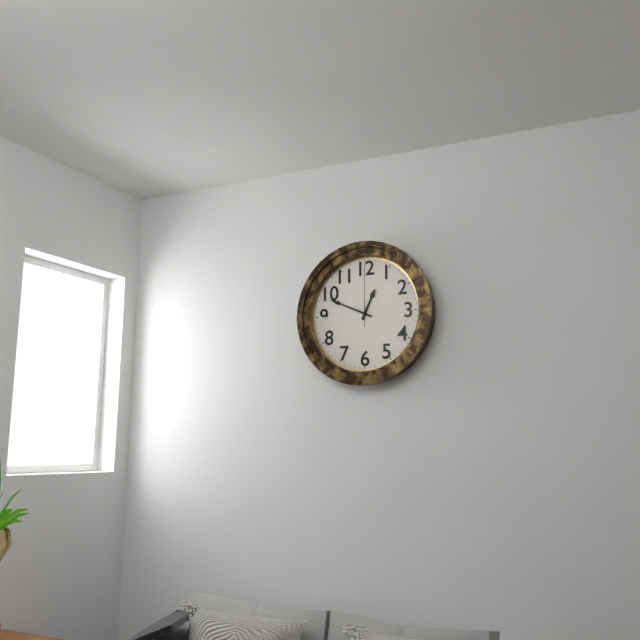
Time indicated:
12h49m00s
